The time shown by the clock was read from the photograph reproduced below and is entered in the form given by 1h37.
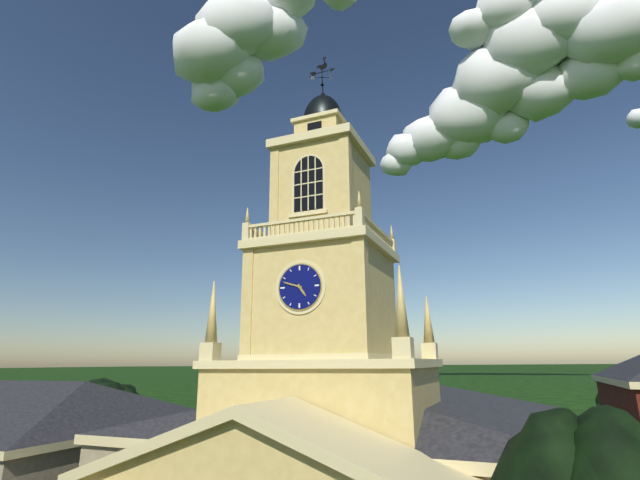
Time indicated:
4h48
